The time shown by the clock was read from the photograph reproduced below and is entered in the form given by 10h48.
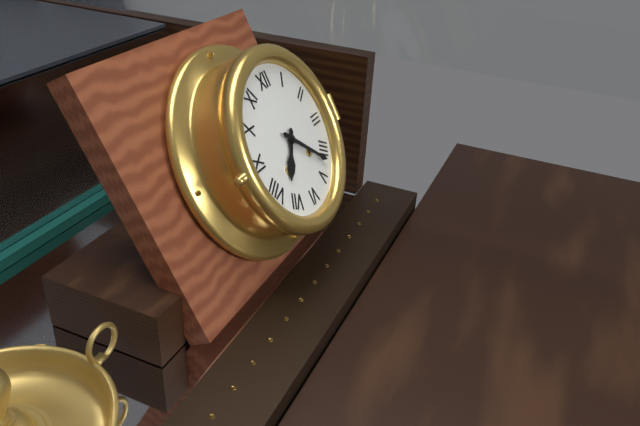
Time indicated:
7h22
